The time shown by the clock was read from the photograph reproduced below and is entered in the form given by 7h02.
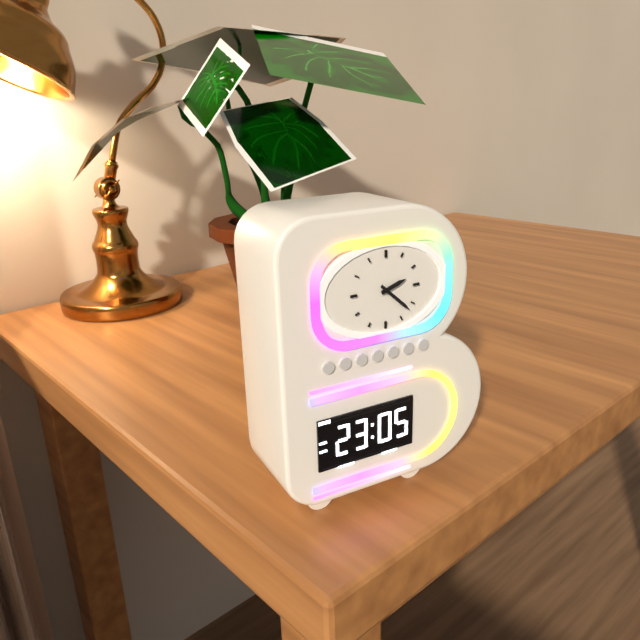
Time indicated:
2h22
